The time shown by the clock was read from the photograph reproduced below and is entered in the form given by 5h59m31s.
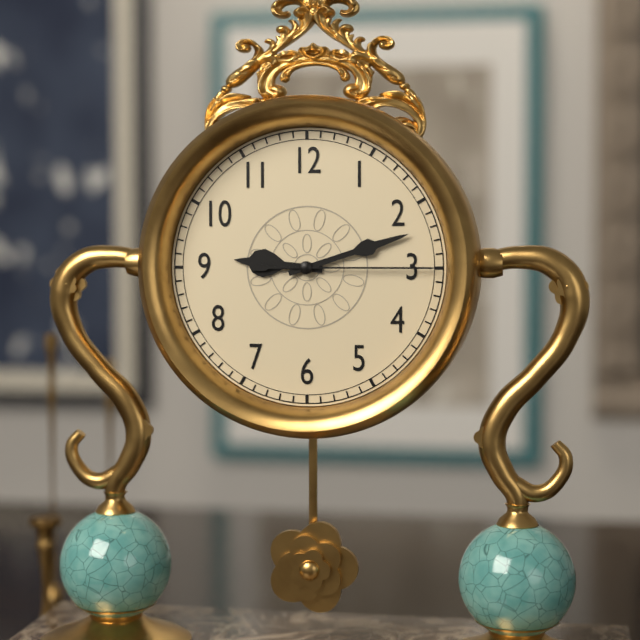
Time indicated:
9h12m15s
